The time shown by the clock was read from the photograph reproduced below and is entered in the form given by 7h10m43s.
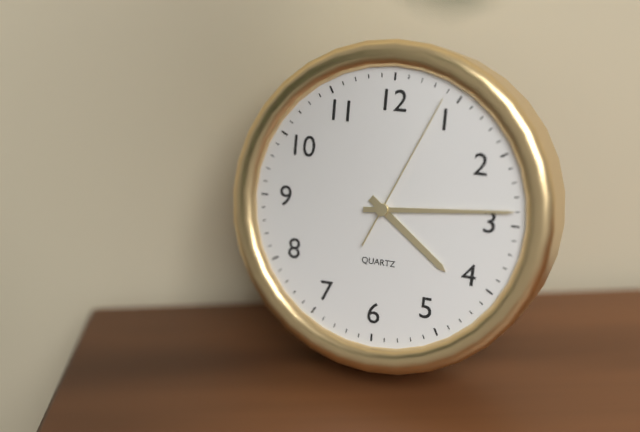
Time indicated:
4h14m04s
